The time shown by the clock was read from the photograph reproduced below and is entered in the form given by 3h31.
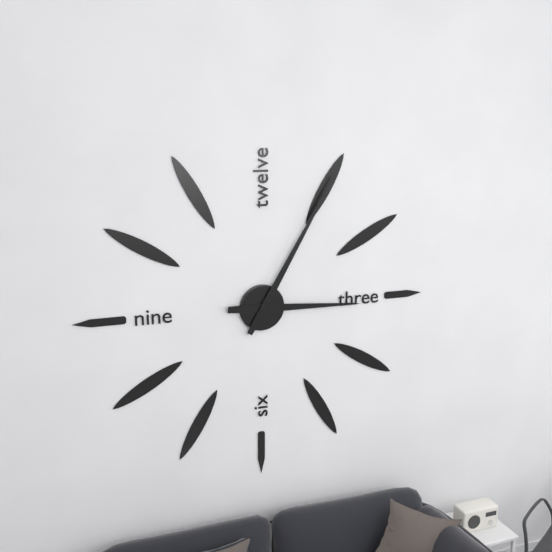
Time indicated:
3h05
